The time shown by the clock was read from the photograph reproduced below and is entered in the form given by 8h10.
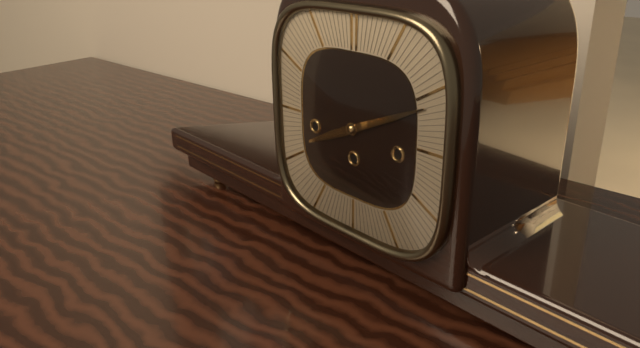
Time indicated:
8h11
